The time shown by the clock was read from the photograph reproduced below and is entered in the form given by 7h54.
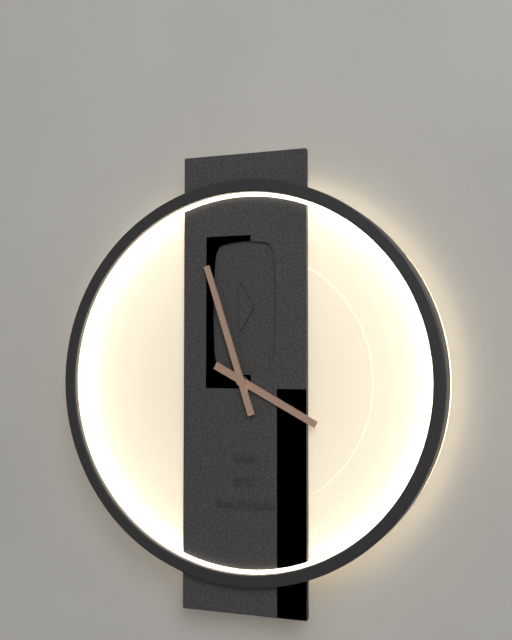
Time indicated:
3h57
